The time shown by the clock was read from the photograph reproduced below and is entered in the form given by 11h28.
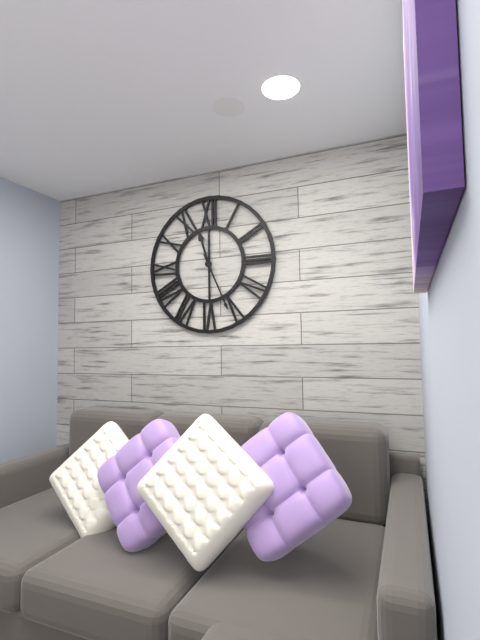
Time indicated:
11h26
